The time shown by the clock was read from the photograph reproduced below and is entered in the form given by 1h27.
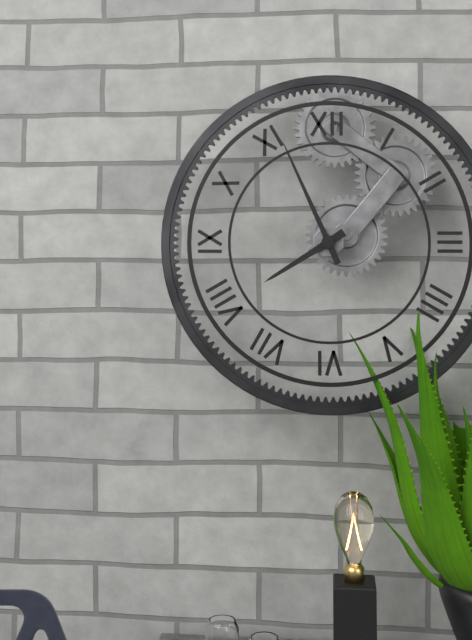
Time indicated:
7h56
